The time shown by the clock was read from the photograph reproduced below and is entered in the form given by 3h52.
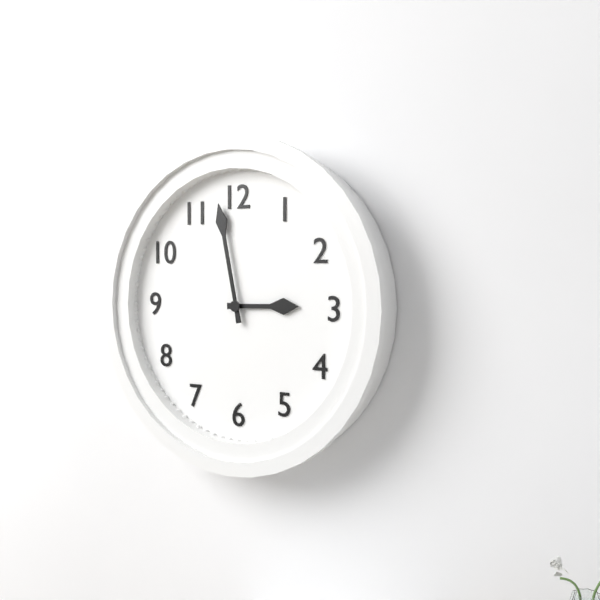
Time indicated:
2h58
